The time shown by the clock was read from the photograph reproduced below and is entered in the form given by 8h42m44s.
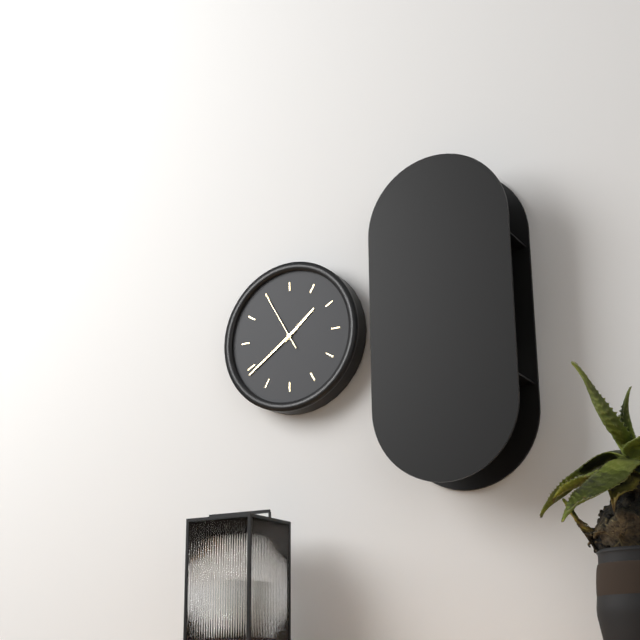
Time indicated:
1h39m55s
